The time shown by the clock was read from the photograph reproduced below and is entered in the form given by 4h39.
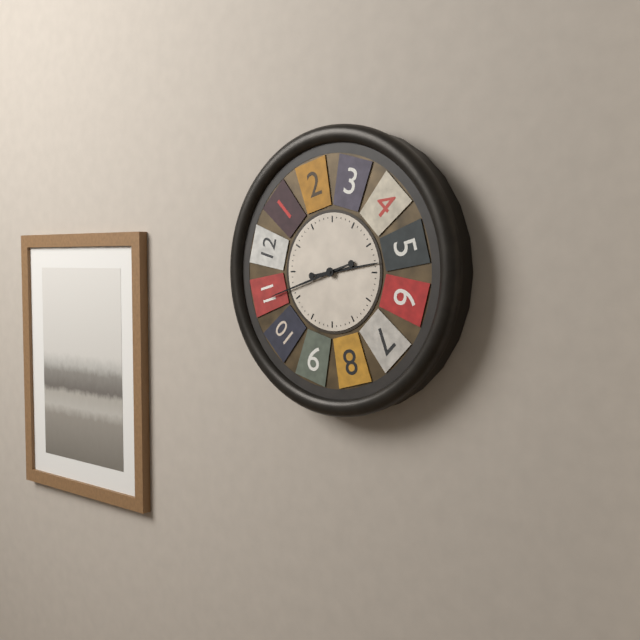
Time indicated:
2h42
